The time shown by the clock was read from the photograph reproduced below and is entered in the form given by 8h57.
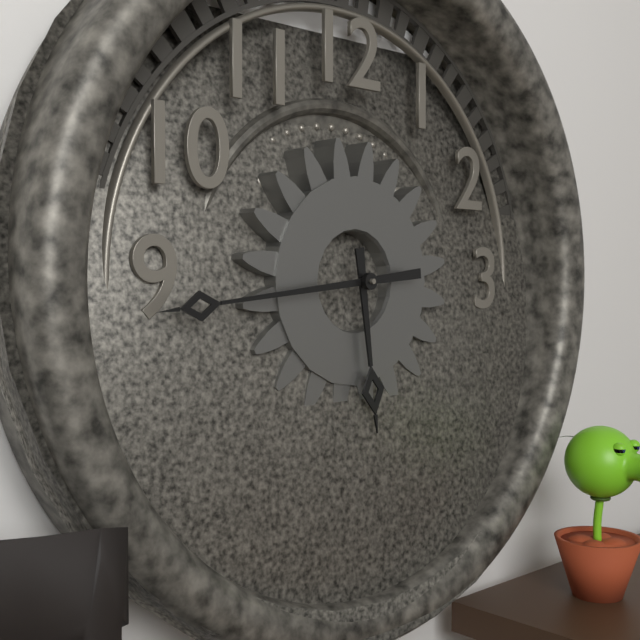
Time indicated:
5h44
